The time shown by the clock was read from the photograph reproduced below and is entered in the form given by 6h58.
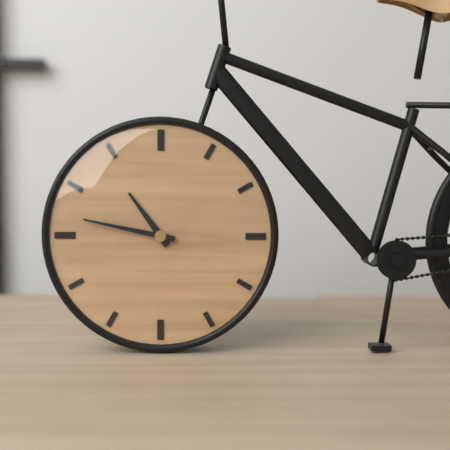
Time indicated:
10h47
